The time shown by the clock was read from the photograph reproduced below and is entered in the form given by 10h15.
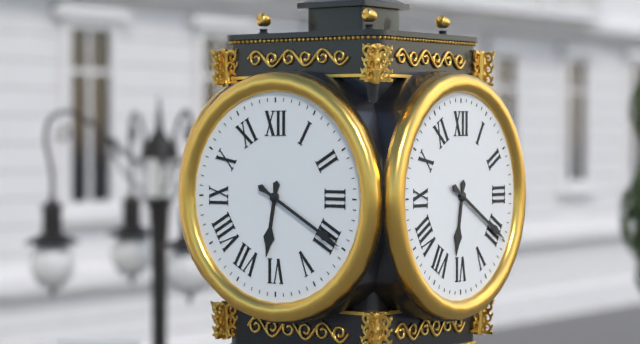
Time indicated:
6h20
